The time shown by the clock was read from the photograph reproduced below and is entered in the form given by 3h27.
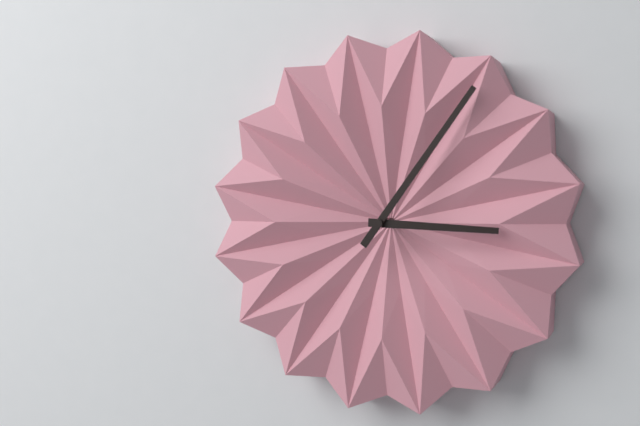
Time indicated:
3h06
